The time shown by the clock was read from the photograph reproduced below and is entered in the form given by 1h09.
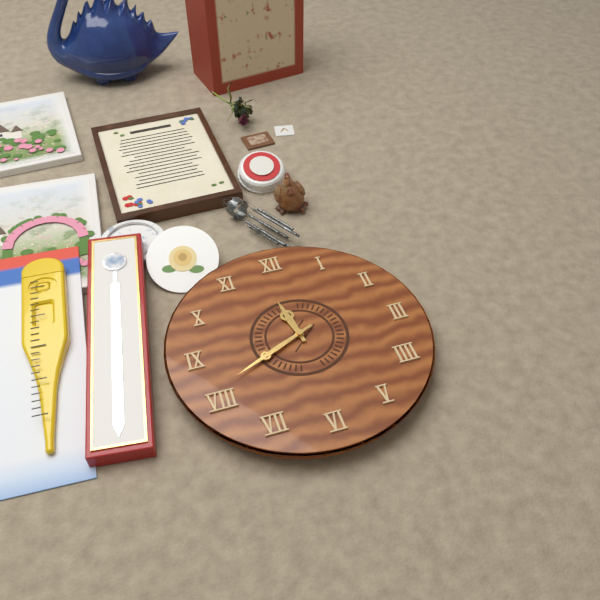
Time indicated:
11h41
